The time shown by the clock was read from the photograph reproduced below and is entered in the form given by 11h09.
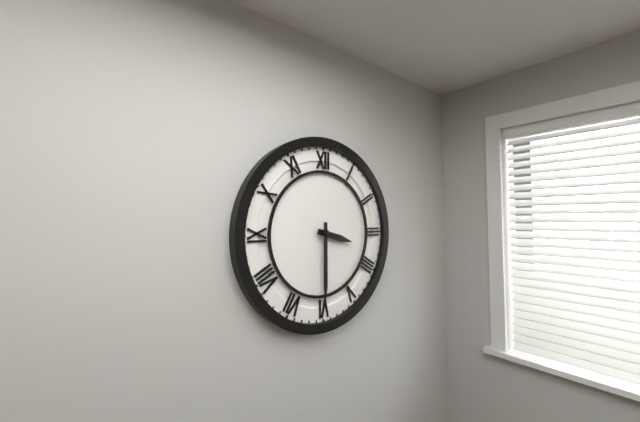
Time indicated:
3h30
